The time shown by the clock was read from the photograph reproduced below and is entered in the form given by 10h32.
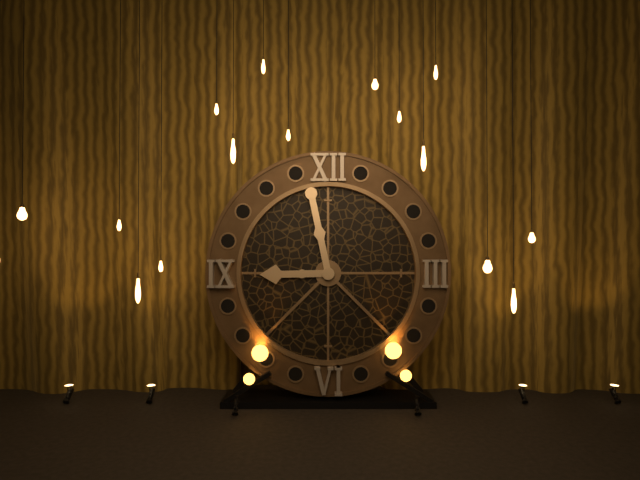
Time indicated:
8h58
